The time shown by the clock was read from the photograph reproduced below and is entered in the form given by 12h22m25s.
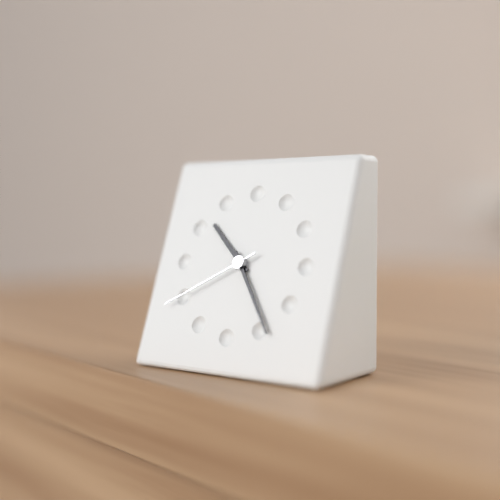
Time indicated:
10h24m40s
